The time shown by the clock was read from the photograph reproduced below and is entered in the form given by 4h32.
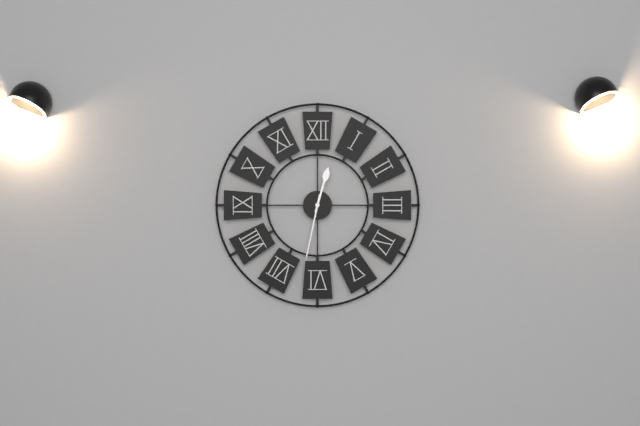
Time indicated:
12h32
